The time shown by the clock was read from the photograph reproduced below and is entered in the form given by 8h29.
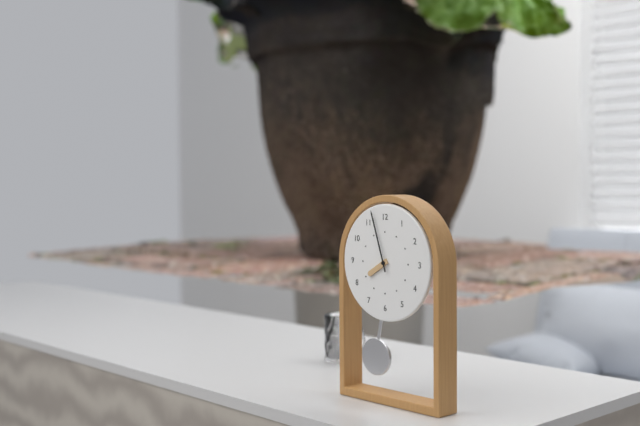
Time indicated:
7h57
